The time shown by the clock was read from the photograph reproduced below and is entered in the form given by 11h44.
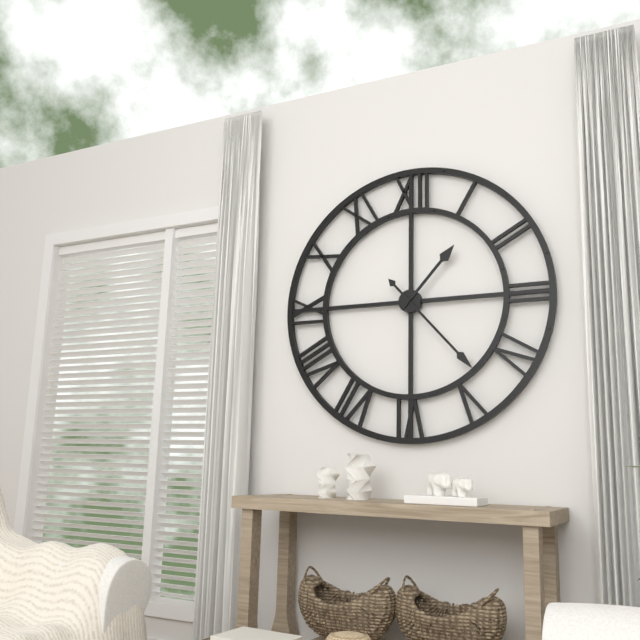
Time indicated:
1h23
